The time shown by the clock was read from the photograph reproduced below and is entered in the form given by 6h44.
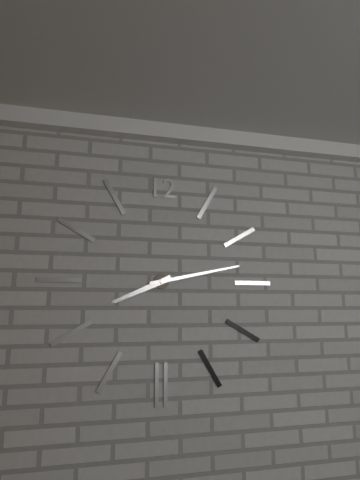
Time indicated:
8h13
